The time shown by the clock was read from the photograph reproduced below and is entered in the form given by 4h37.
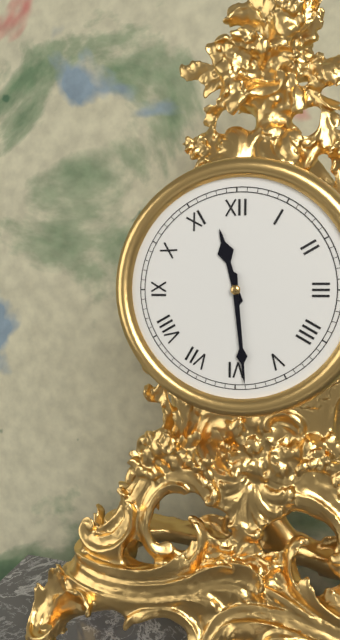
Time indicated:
11h29
